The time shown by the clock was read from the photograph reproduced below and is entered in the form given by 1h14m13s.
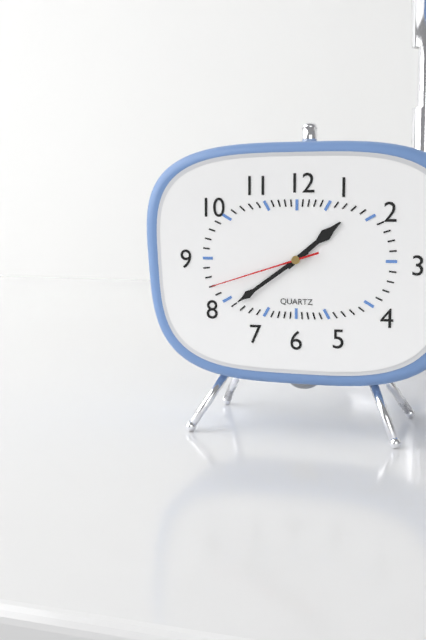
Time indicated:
1h39m42s
